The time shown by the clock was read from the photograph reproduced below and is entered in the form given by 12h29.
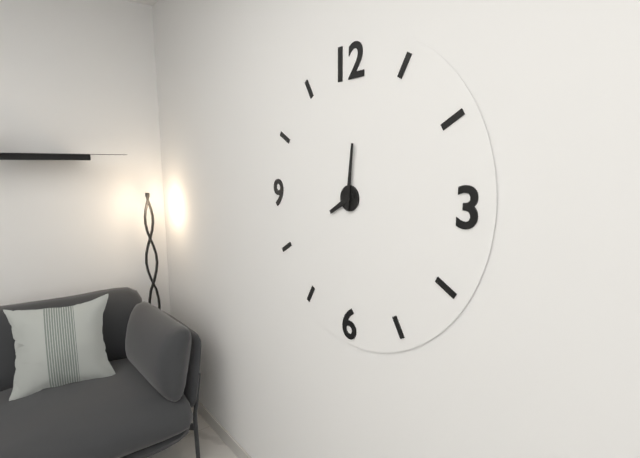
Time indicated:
8h01
